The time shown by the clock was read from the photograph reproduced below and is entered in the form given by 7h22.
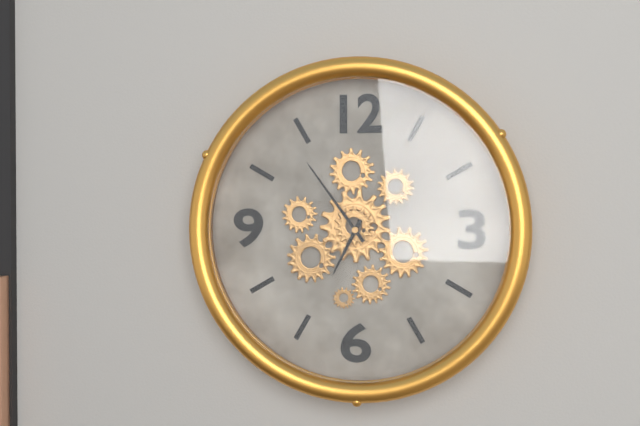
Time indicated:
6h54
